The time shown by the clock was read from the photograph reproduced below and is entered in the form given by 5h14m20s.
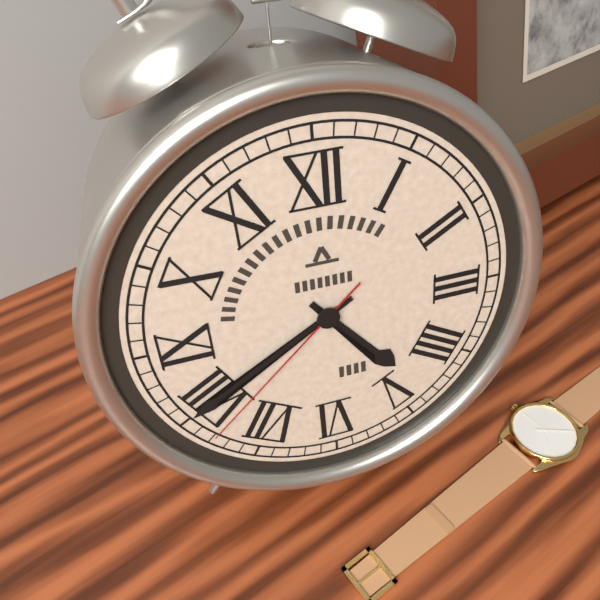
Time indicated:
4h40m38s
